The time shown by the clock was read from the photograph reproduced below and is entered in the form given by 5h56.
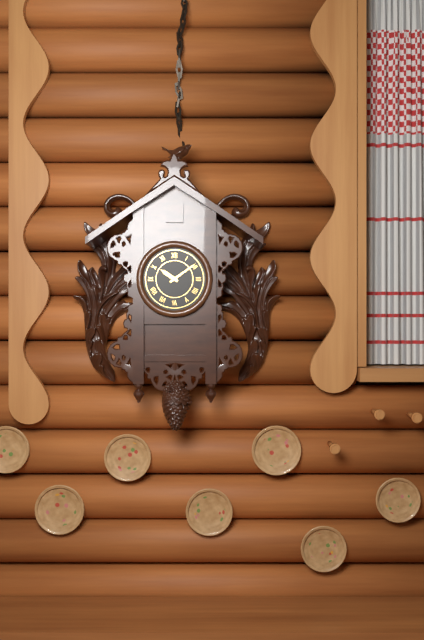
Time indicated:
10h09
